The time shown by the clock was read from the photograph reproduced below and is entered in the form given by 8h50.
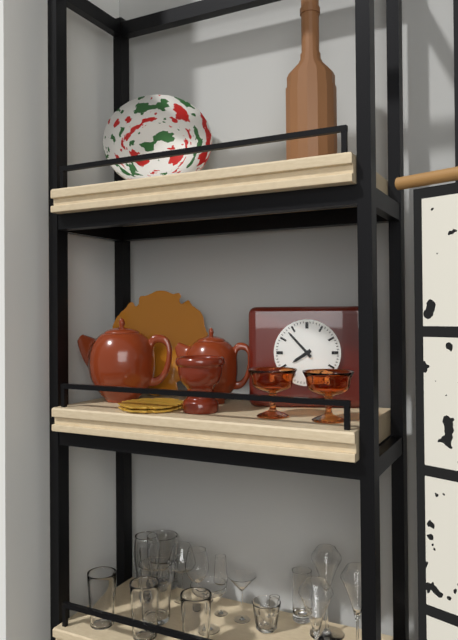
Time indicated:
7h53
